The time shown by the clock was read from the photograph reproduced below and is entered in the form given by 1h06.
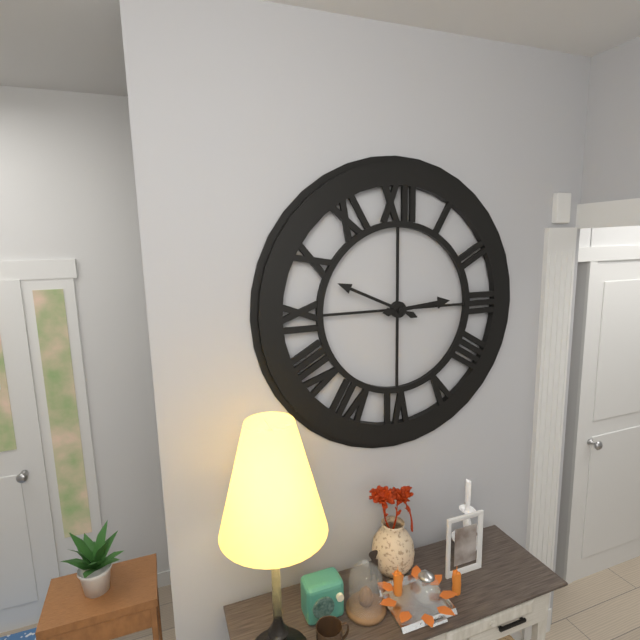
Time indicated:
2h49
